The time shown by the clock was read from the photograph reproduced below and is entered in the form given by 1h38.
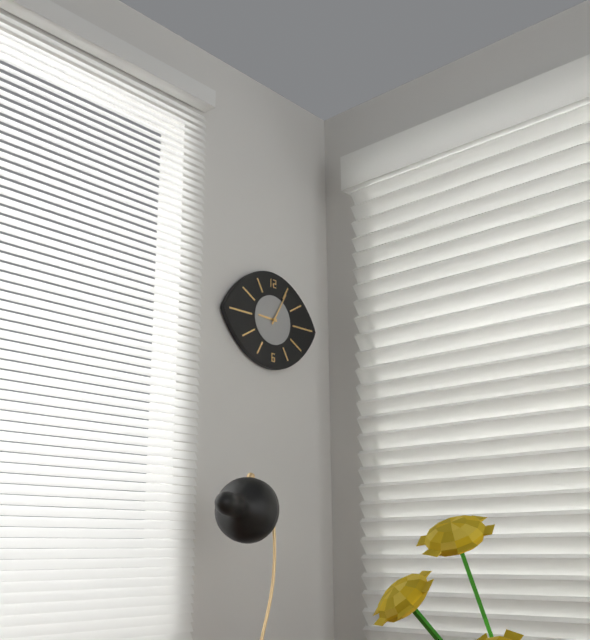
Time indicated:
9h05
